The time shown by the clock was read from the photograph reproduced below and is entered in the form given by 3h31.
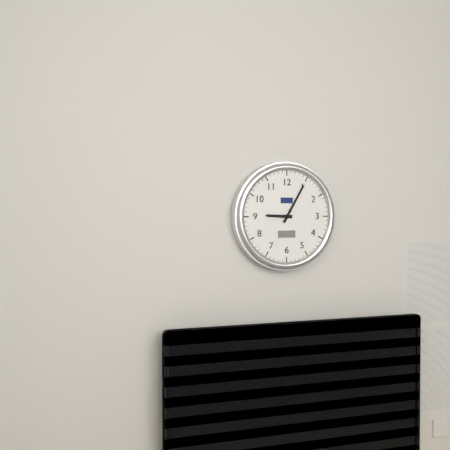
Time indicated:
9h05
